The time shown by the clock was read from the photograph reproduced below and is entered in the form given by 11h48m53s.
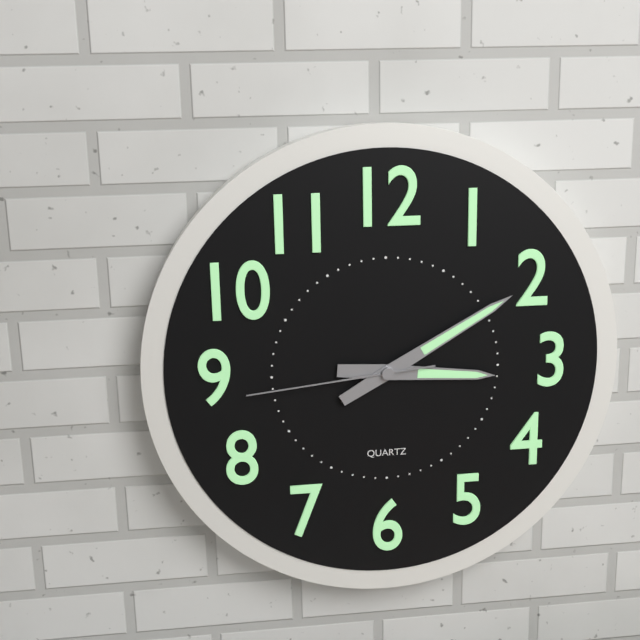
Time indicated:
3h10m44s
